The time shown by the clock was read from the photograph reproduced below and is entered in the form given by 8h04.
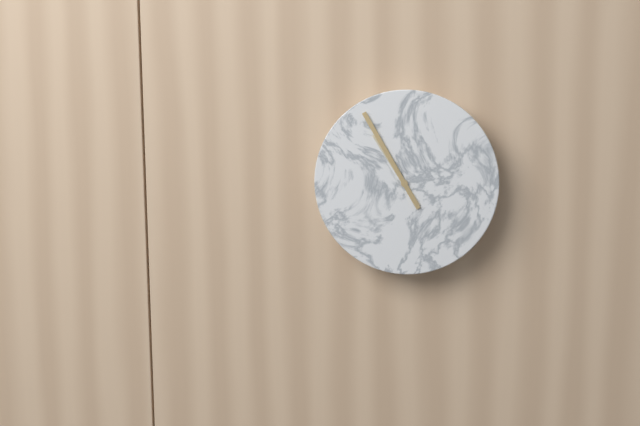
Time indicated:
10h55
